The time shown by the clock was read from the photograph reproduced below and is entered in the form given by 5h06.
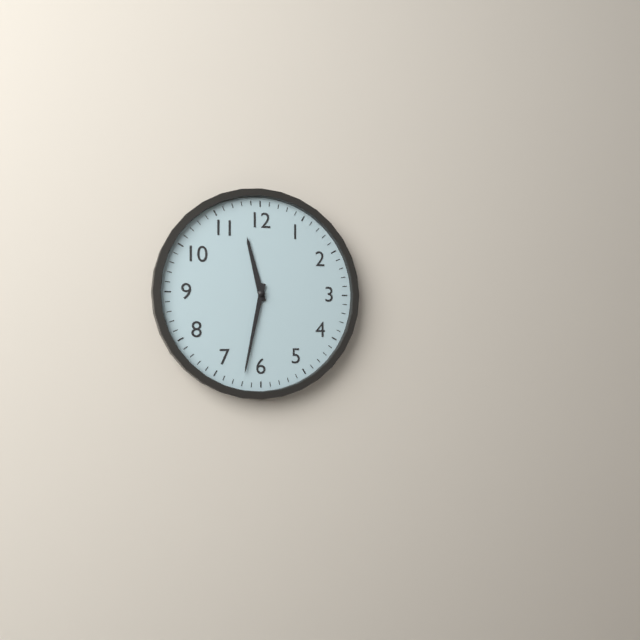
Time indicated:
11h32
